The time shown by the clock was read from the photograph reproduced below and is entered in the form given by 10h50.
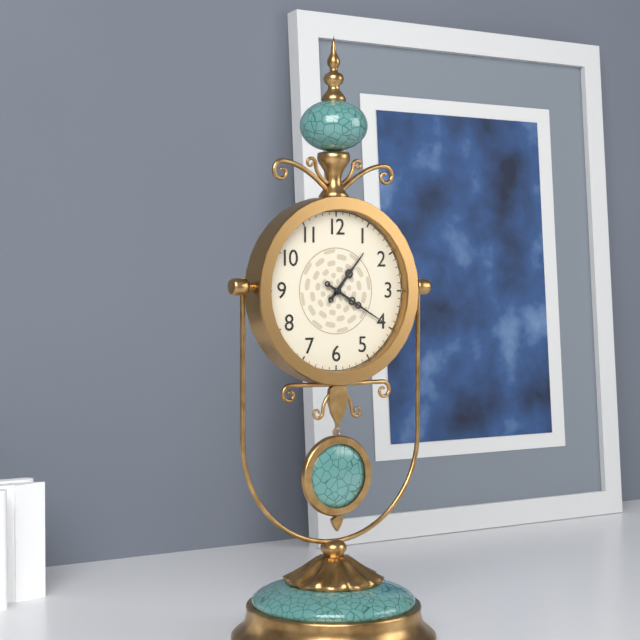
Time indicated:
1h20
